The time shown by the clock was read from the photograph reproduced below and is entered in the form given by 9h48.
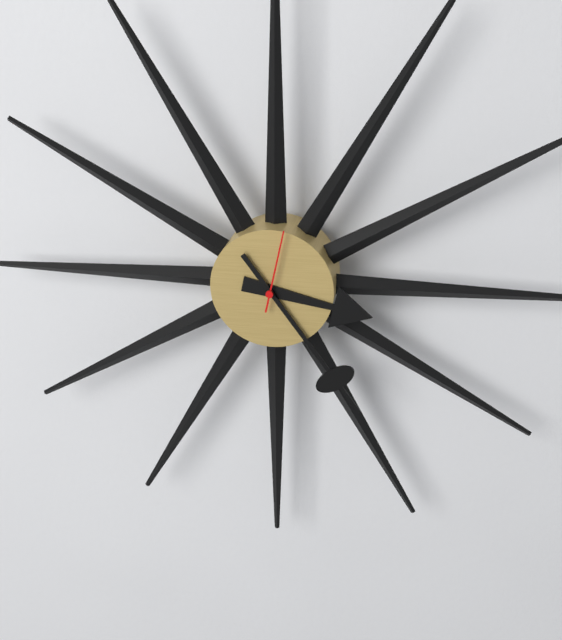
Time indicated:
3h24
